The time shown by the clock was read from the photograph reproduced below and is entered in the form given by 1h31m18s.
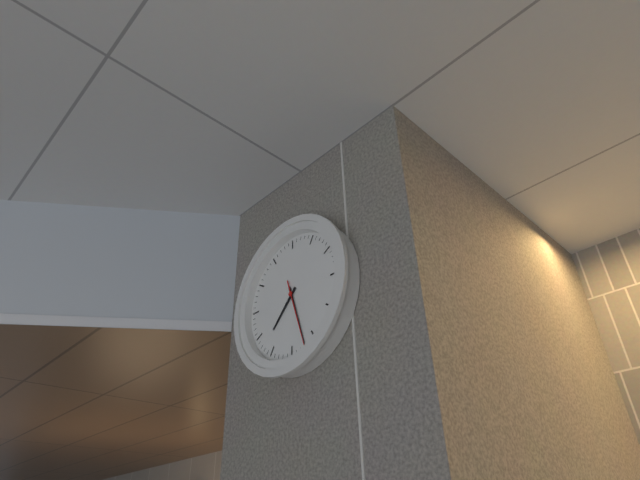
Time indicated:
7h27m27s
